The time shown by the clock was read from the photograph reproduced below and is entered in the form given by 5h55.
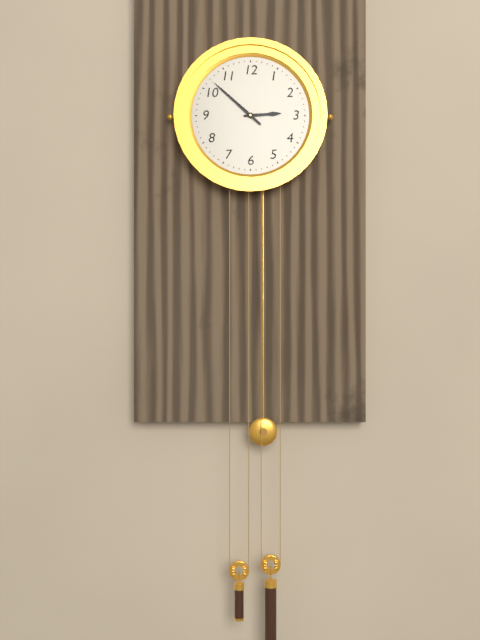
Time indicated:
2h52
